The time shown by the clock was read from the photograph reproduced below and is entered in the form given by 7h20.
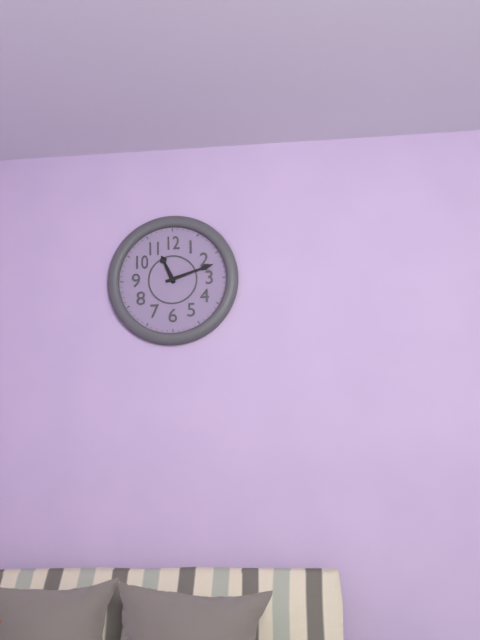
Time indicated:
11h12
